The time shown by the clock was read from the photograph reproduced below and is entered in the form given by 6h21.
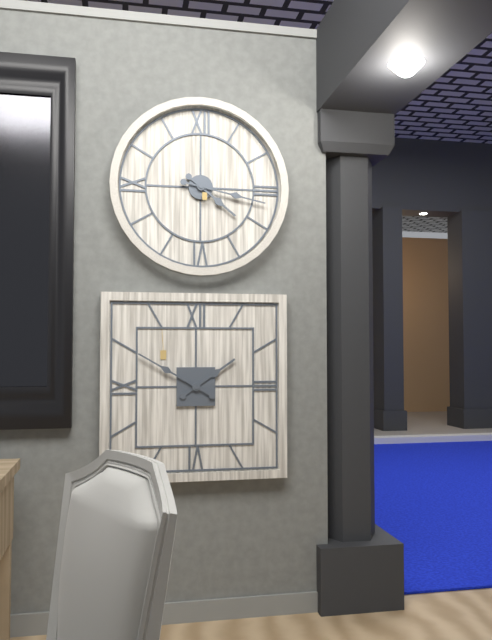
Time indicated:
4h17
